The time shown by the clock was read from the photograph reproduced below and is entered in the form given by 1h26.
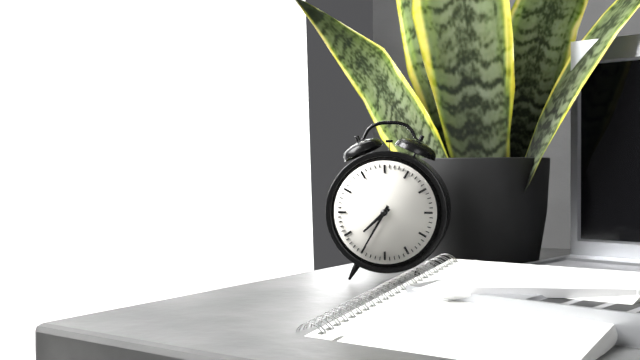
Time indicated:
7h35
